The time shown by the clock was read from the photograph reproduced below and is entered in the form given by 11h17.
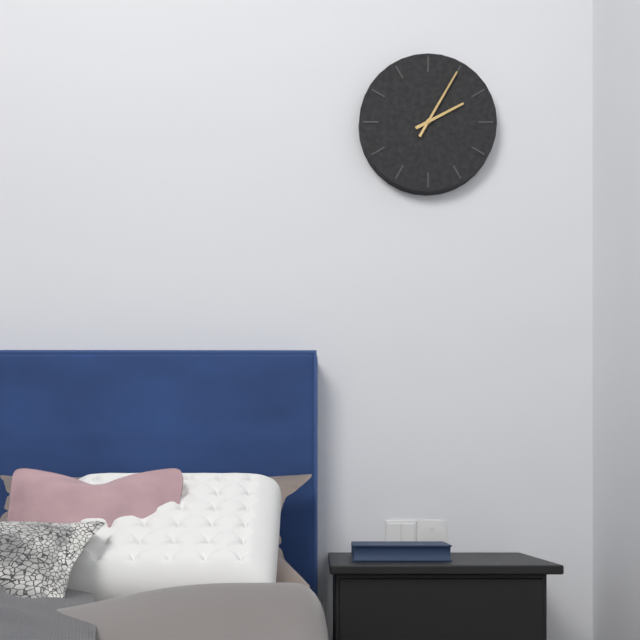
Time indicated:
2h05
